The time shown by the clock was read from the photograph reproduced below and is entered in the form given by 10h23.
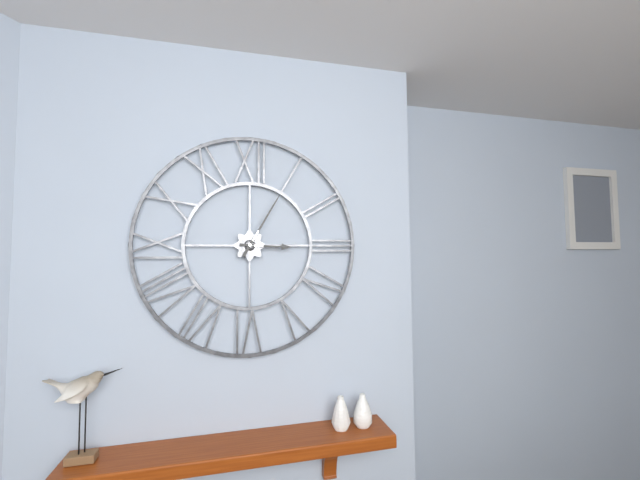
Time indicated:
3h05
